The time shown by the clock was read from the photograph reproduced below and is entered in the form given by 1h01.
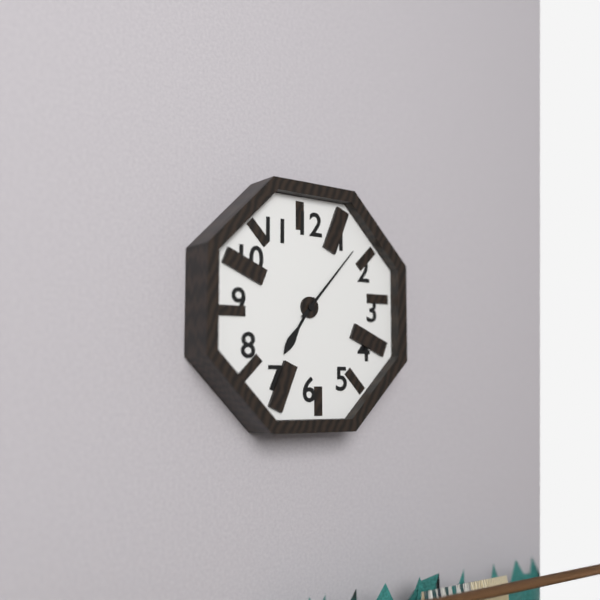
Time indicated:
7h07
